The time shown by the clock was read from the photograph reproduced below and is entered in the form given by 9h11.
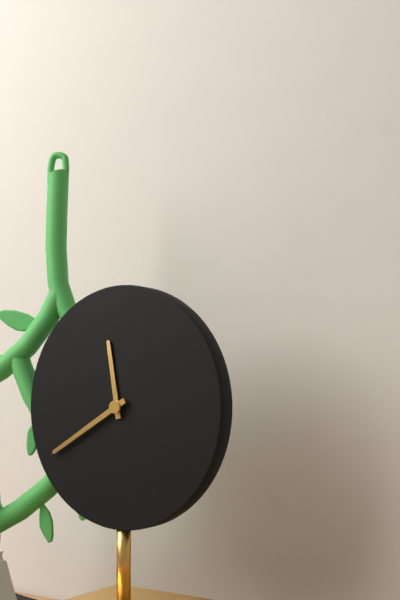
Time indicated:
11h40
